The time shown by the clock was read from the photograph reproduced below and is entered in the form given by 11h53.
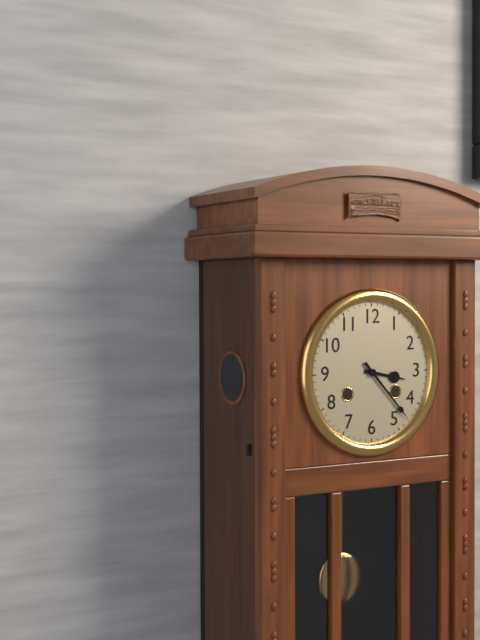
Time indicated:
3h23
